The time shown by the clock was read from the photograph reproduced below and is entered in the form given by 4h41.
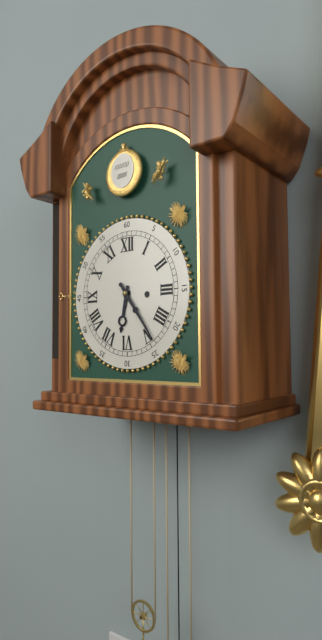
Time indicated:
6h24
